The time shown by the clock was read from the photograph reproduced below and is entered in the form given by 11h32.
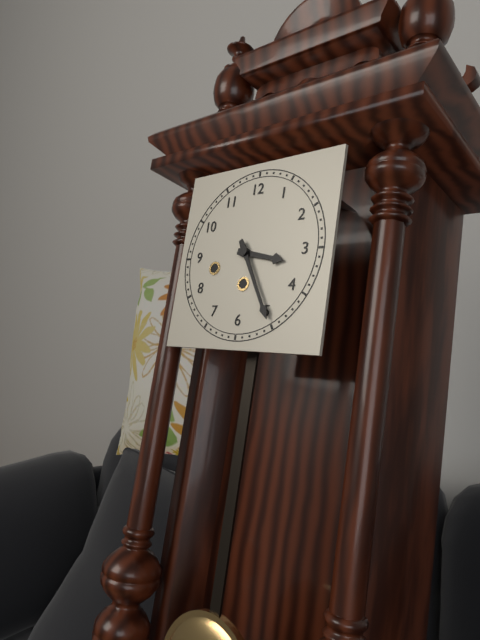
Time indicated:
3h25
